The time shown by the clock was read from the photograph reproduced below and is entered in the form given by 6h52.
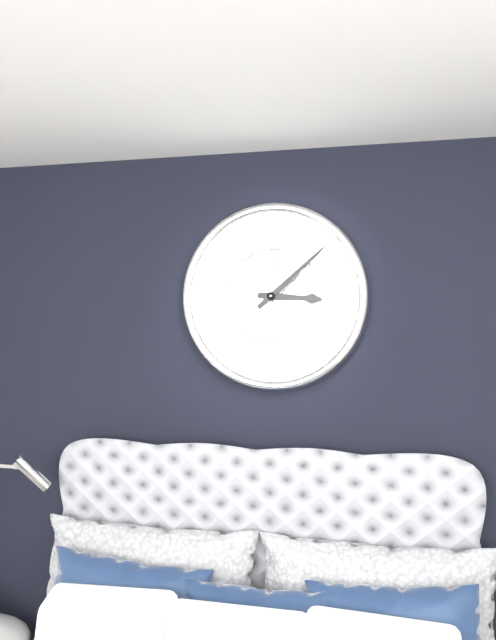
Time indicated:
3h08
